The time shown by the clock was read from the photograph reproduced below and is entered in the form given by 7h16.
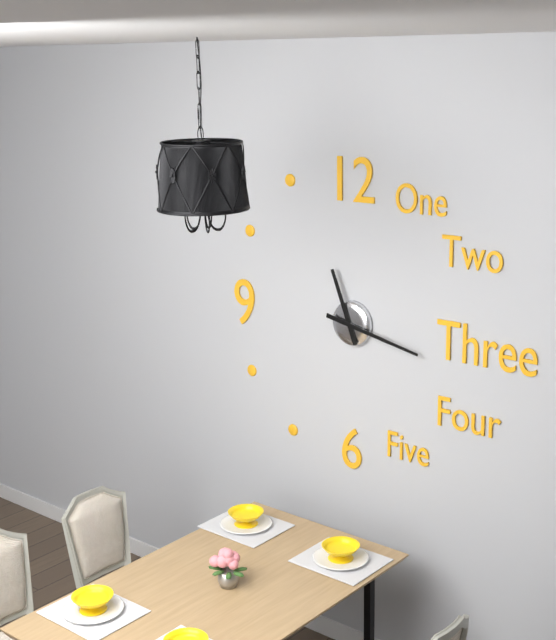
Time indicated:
11h17
